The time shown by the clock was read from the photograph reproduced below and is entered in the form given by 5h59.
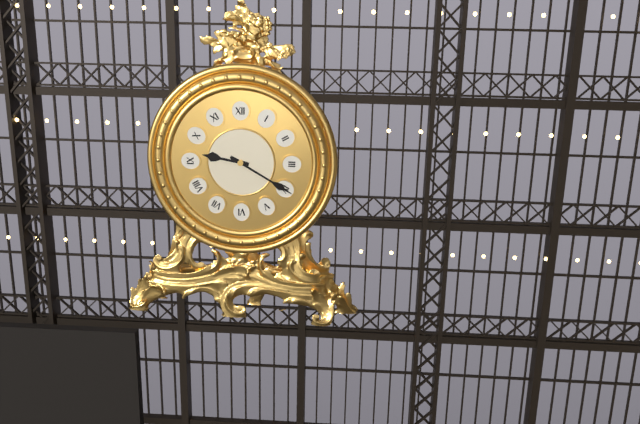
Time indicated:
9h20
